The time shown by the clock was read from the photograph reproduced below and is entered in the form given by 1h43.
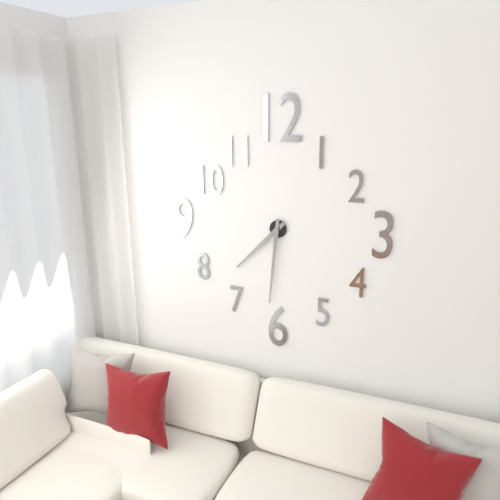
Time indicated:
7h31
